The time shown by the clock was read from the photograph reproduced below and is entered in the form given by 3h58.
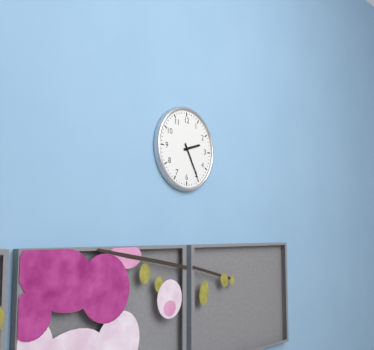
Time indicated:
2h25
